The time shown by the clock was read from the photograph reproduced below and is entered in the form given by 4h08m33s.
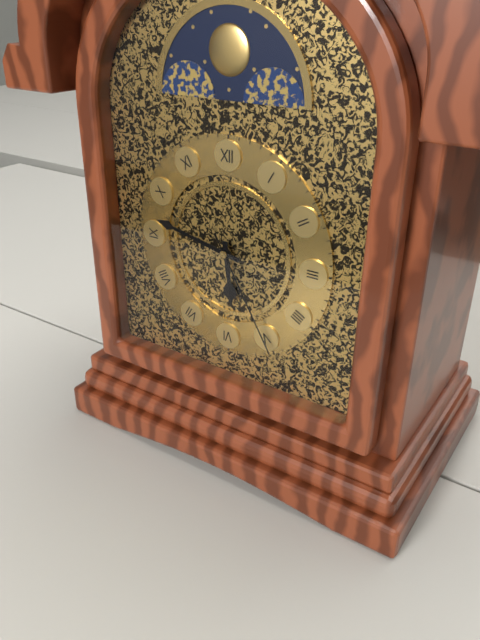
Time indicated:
5h47m25s
